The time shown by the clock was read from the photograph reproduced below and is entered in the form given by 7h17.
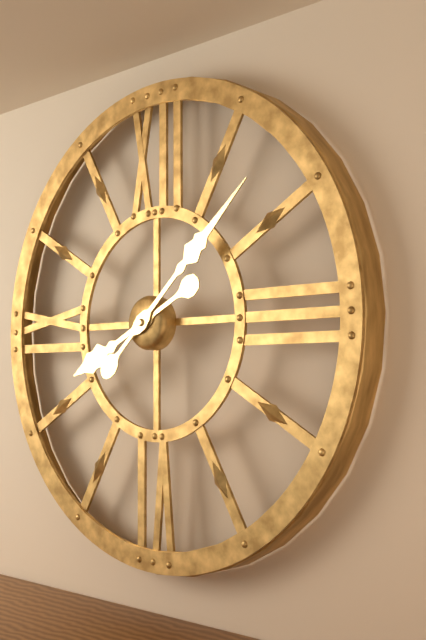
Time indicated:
8h08
